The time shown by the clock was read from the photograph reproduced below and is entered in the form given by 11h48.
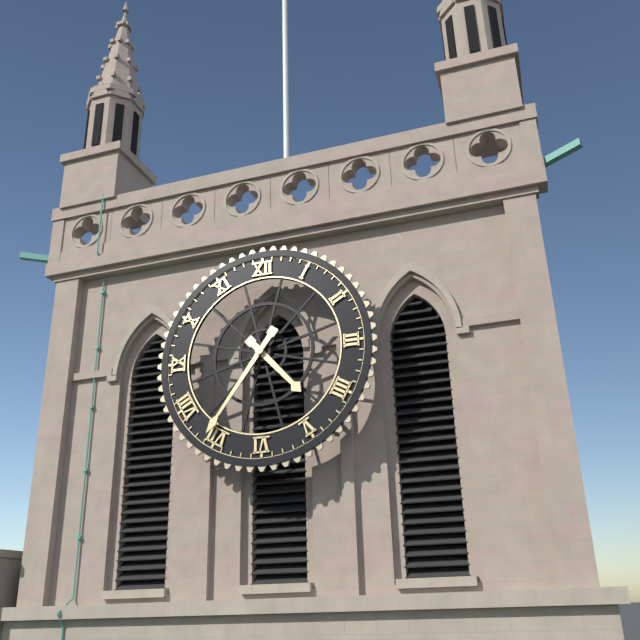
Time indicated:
4h36
